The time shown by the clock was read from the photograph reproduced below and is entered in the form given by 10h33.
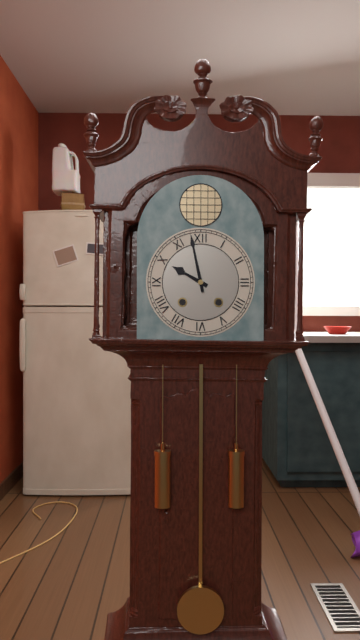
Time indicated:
9h58
